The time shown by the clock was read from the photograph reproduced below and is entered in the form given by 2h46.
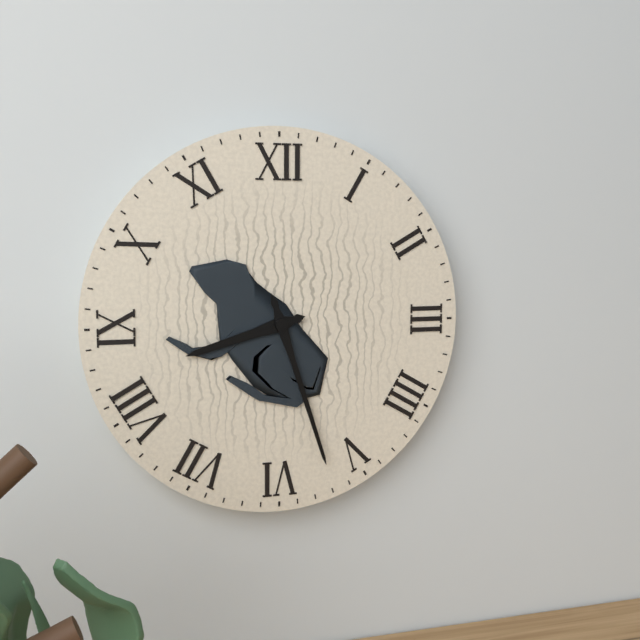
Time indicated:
8h27
